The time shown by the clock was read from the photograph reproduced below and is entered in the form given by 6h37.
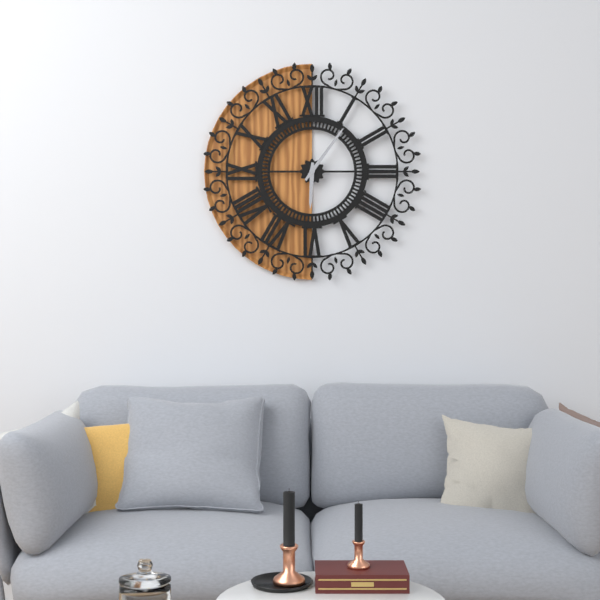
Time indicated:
6h06
